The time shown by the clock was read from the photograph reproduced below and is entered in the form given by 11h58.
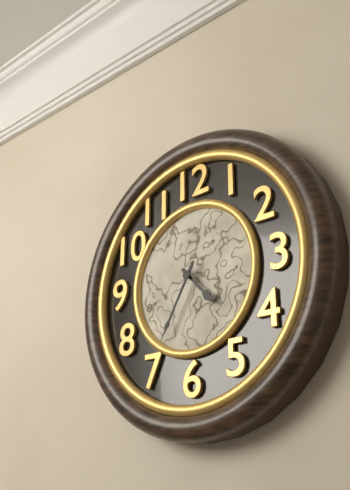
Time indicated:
4h35
